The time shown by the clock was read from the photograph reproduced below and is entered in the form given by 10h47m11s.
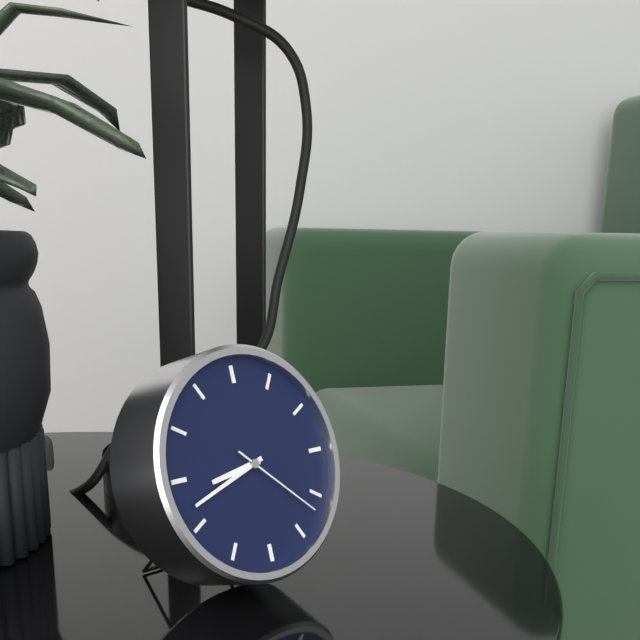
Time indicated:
8h42m22s
